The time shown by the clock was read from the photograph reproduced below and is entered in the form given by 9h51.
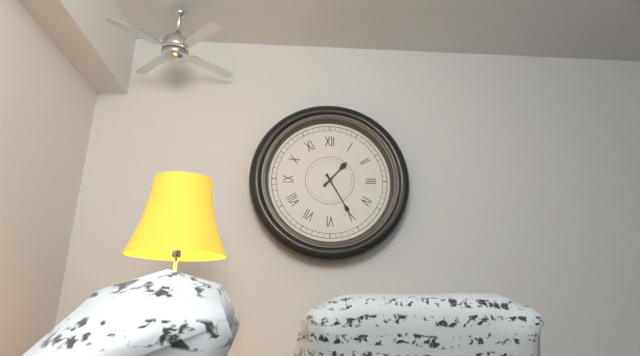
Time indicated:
1h25
